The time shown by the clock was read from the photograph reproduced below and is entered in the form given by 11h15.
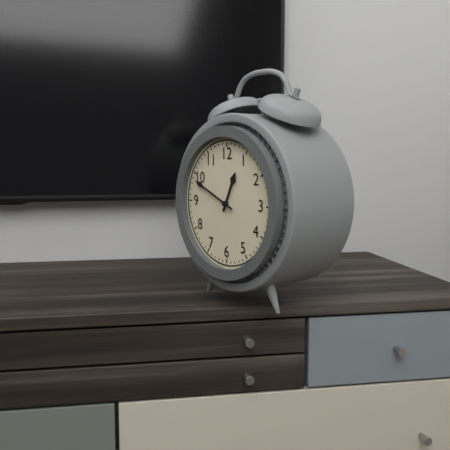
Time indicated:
12h49
